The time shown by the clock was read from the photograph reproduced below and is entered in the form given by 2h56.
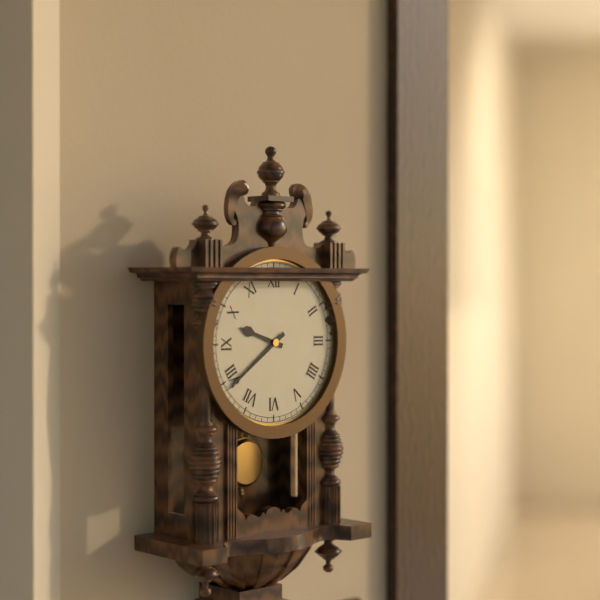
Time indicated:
9h39
